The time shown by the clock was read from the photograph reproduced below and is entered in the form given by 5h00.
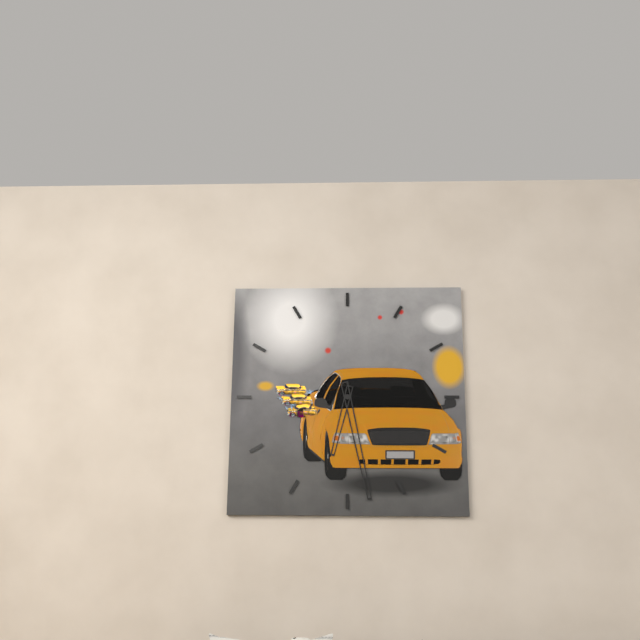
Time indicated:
6h28
